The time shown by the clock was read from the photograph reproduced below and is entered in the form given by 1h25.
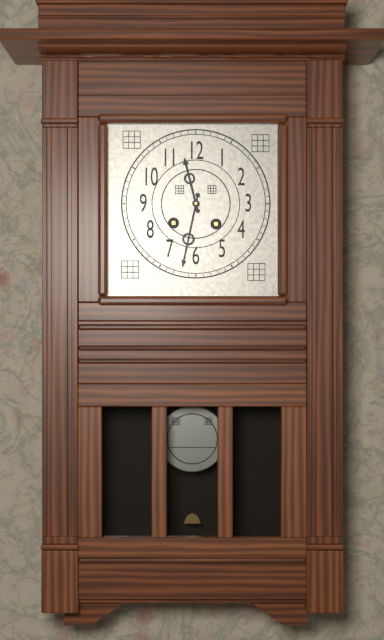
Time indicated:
11h32
